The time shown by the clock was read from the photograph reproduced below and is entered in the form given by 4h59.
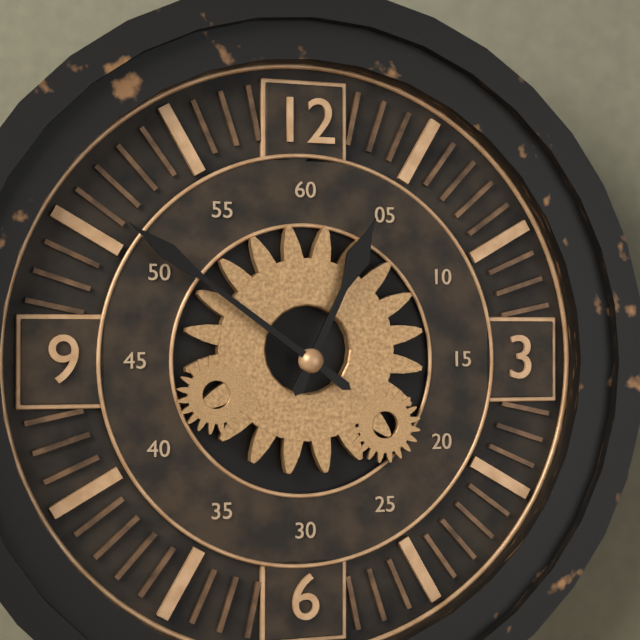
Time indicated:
12h51
